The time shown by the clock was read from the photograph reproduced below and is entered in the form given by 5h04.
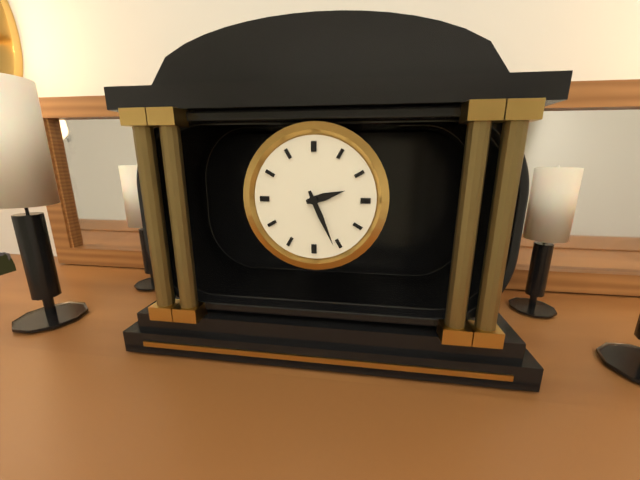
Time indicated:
2h26
